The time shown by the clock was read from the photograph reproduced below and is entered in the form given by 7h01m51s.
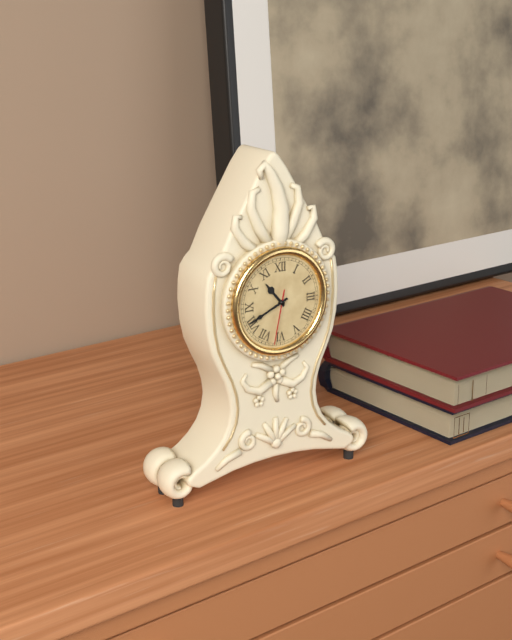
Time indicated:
10h41m32s
